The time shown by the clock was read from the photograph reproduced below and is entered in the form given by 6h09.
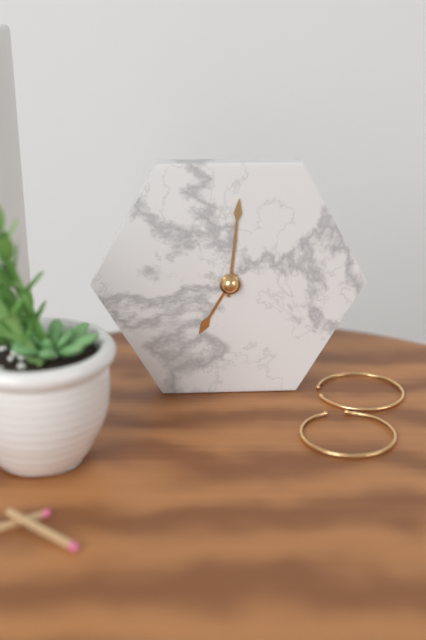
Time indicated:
7h01
